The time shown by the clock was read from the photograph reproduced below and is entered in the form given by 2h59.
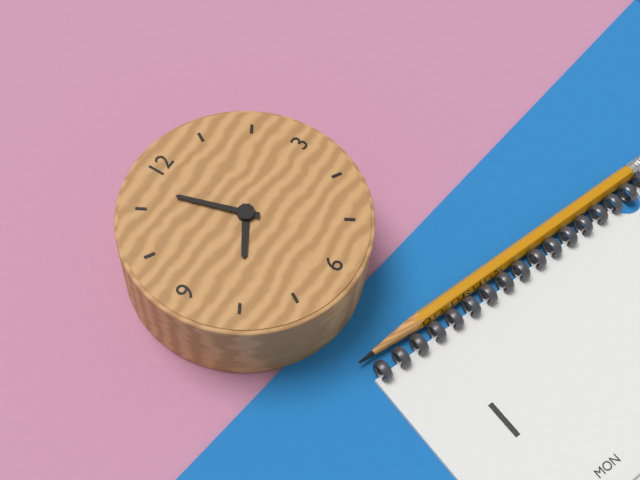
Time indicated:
7h57
